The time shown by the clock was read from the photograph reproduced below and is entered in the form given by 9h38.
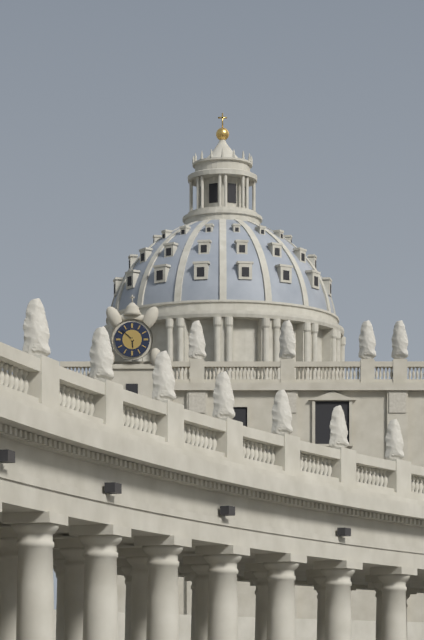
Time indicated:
5h52
